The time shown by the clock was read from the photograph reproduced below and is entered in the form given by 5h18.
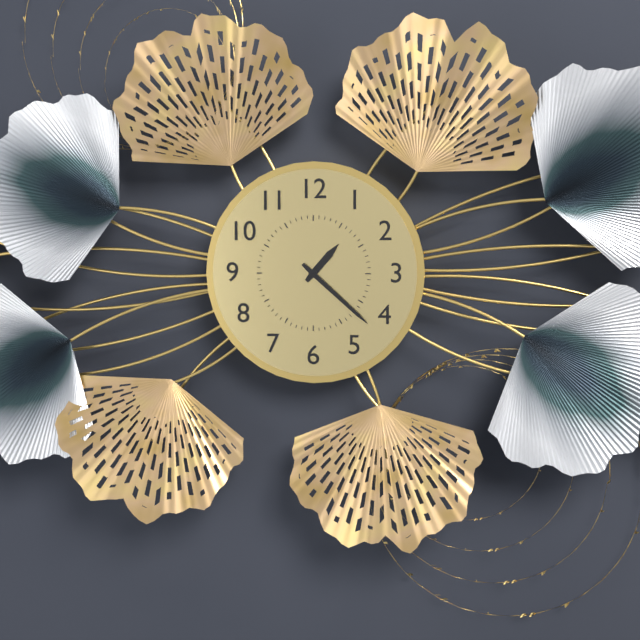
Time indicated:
1h22
